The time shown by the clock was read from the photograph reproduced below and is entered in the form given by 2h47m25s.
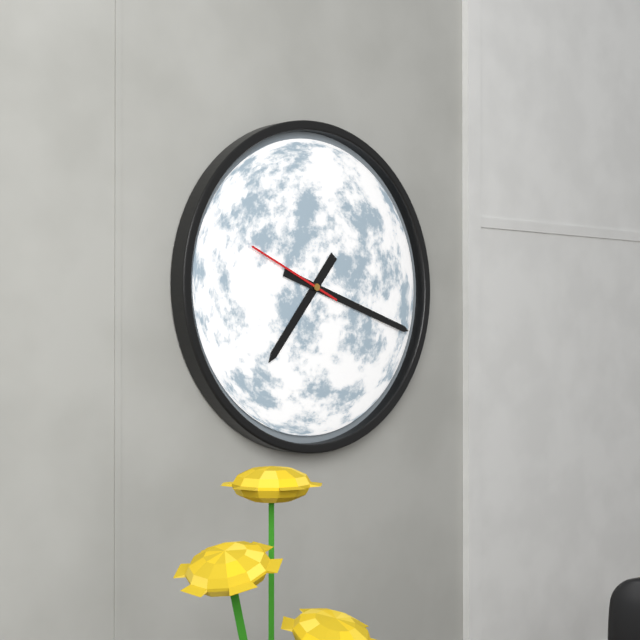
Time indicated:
7h18m49s
